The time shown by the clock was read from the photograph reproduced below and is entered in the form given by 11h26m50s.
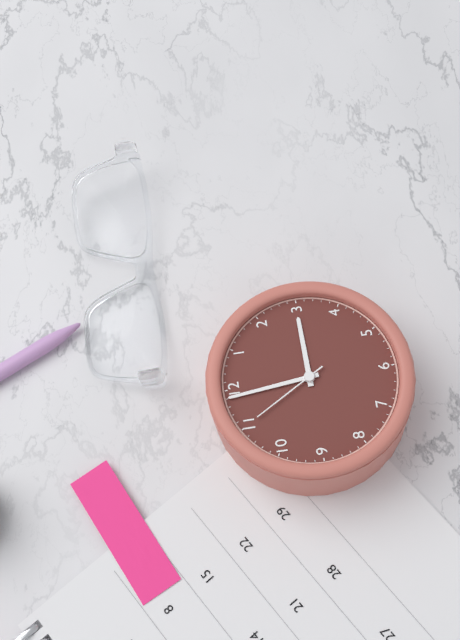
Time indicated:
2h59m55s
